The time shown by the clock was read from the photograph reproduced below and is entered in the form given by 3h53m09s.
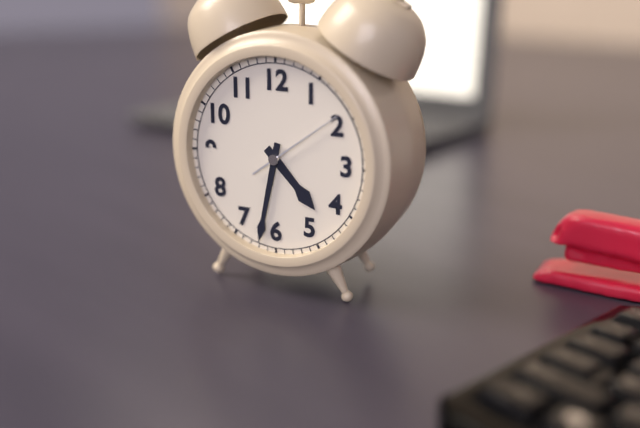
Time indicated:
4h32m09s
